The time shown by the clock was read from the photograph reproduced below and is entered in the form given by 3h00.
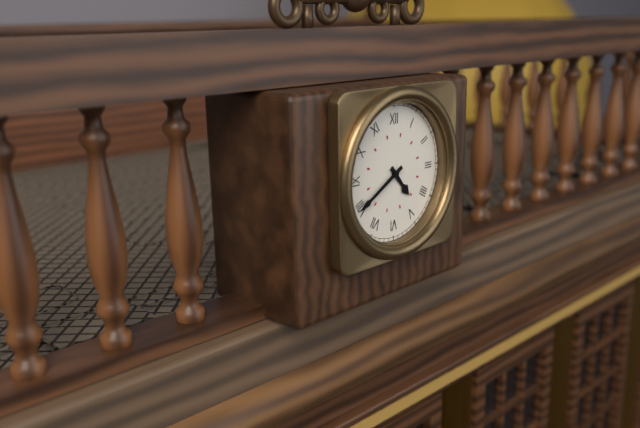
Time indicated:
4h40
